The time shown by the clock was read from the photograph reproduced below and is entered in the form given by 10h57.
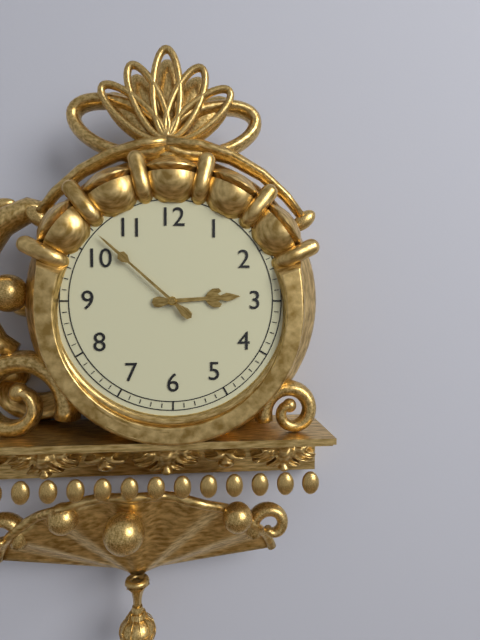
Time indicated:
2h52
